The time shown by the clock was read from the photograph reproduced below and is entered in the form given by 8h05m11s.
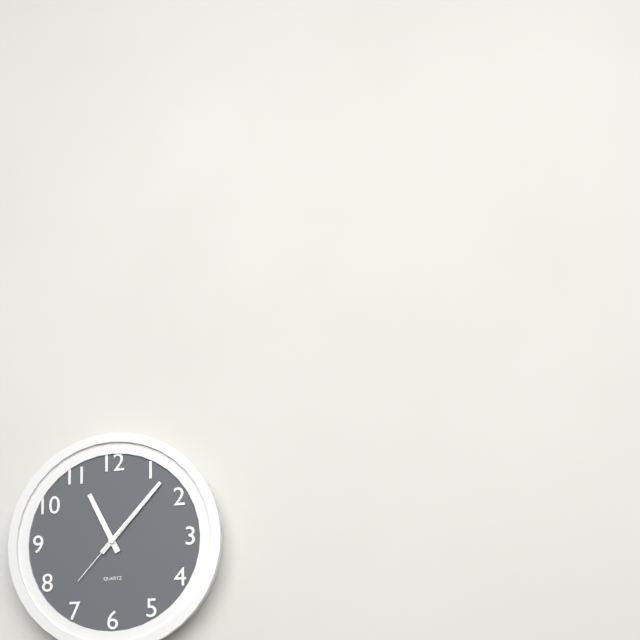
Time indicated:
11h07m37s
